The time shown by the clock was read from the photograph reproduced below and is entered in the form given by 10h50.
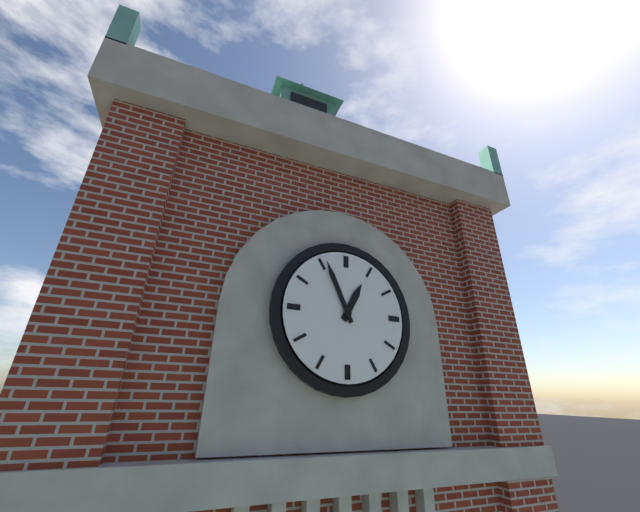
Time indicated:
12h56
